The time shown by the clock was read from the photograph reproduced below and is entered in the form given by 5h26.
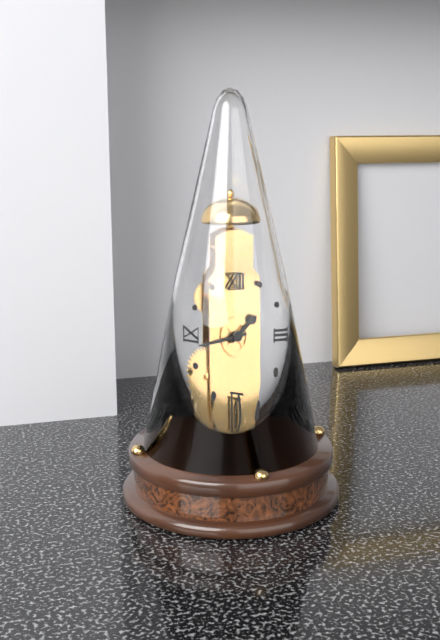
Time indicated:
1h43
